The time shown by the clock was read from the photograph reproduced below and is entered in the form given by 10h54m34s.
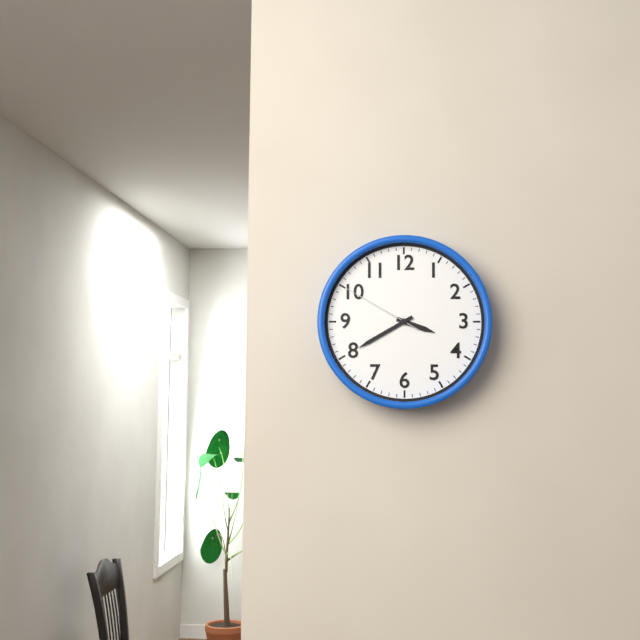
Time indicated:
3h40m50s
